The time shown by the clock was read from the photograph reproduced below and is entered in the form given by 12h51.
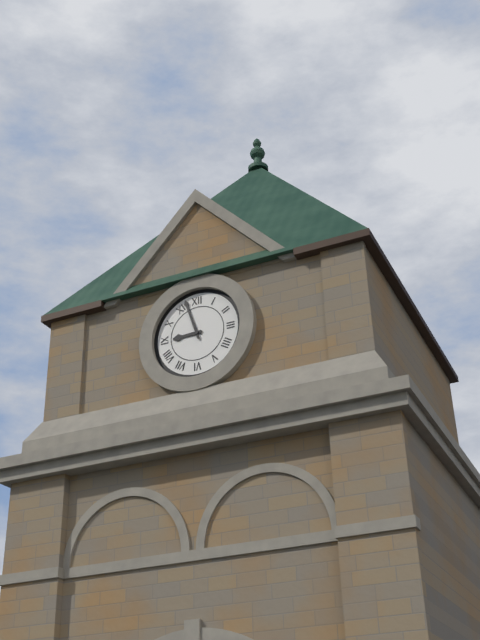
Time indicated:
8h57
